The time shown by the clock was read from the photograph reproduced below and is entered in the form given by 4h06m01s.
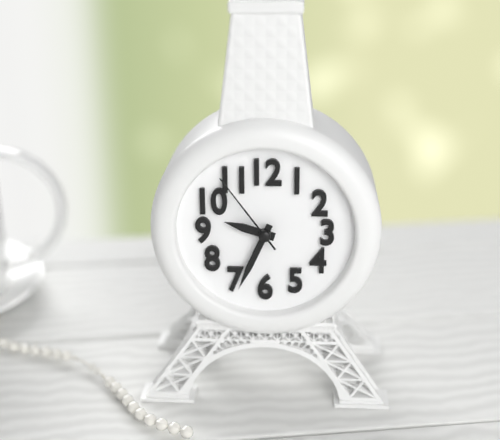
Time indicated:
9h34m54s
